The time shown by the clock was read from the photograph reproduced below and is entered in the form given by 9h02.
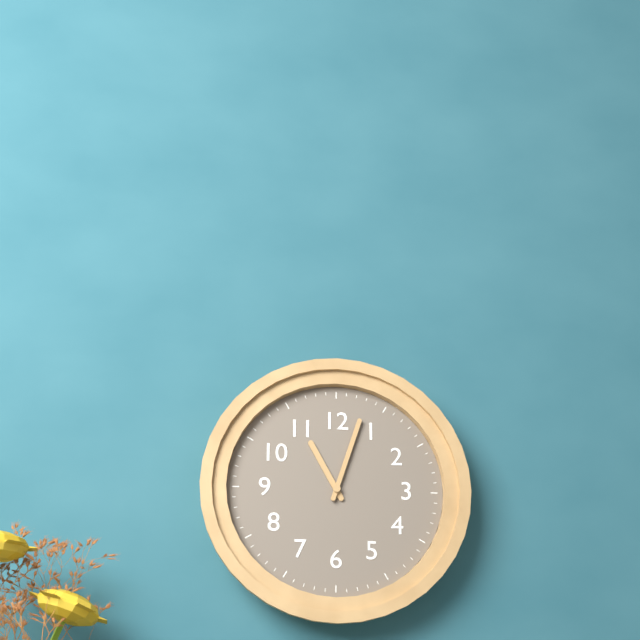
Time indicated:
11h03
